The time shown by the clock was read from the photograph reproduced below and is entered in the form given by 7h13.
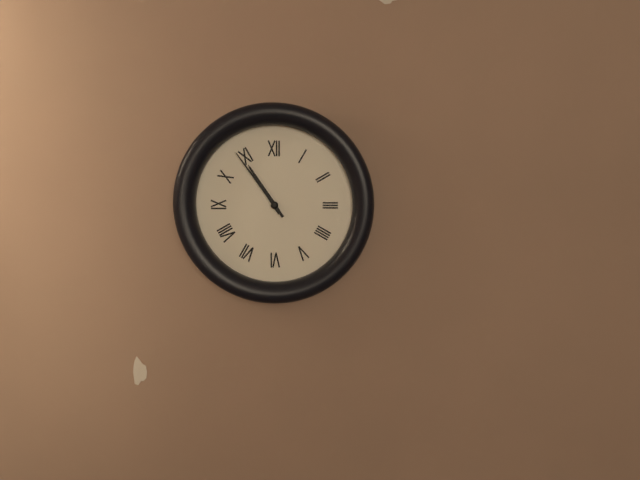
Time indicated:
10h54
